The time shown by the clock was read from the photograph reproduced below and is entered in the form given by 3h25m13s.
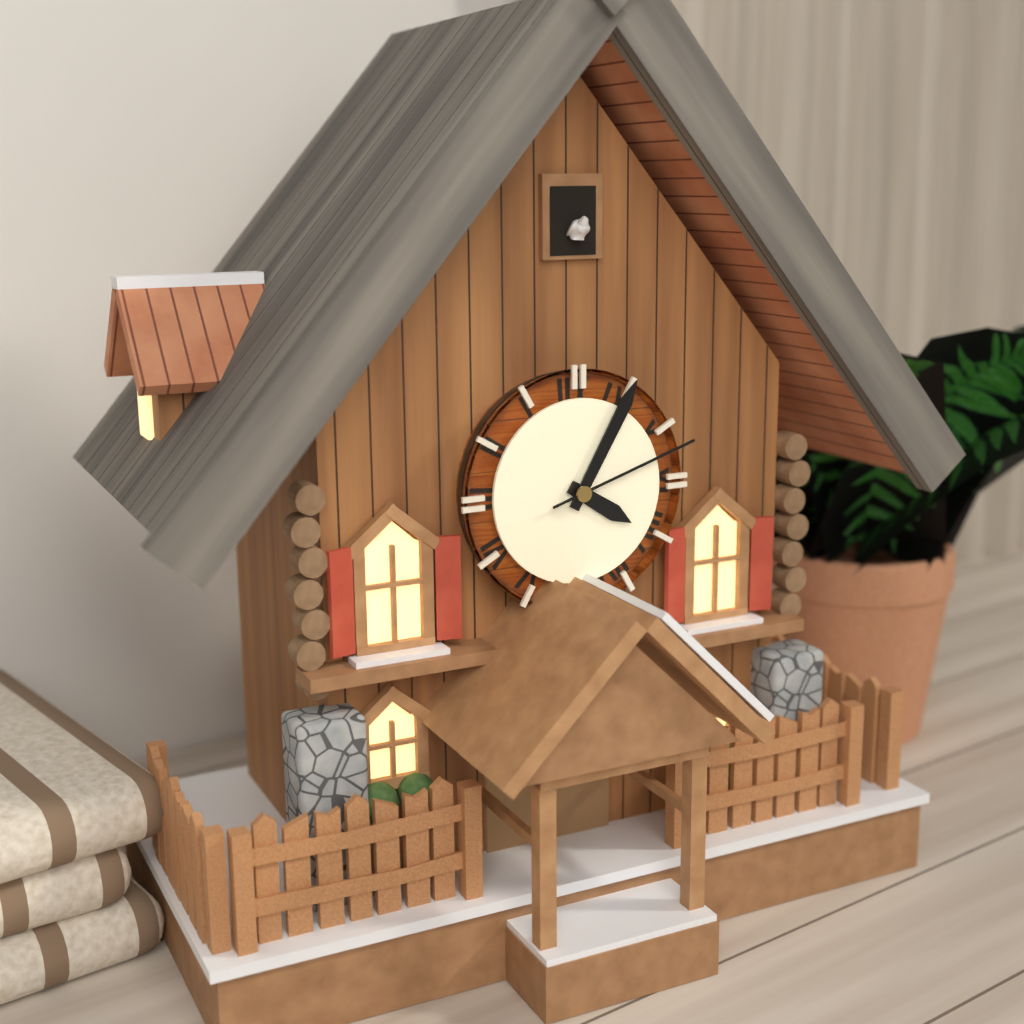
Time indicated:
4h05m12s
